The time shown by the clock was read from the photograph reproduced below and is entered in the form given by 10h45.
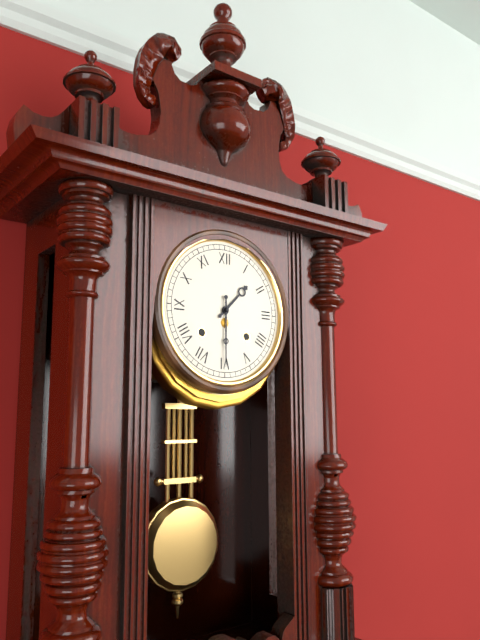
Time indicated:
1h30
